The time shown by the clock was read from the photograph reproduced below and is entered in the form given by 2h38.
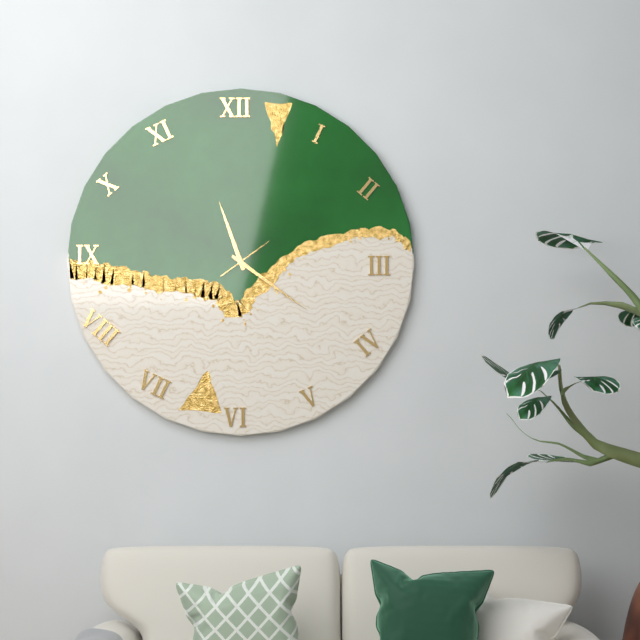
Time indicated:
11h21
